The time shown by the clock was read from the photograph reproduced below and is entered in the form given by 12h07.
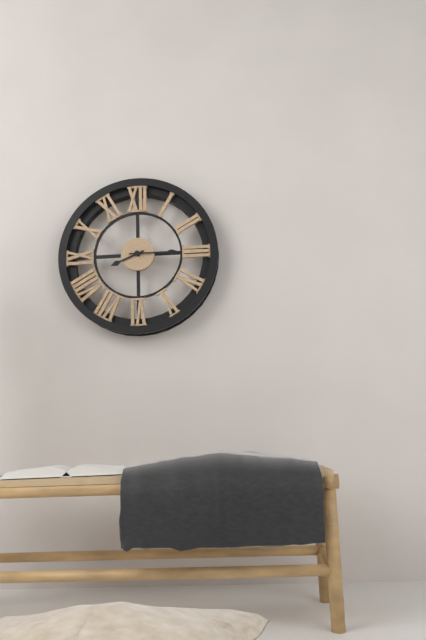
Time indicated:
8h15
